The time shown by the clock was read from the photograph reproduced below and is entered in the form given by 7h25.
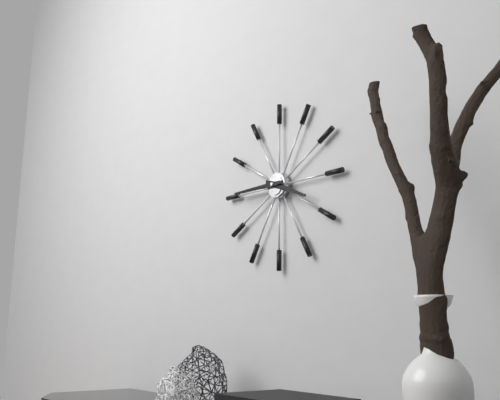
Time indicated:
3h45
